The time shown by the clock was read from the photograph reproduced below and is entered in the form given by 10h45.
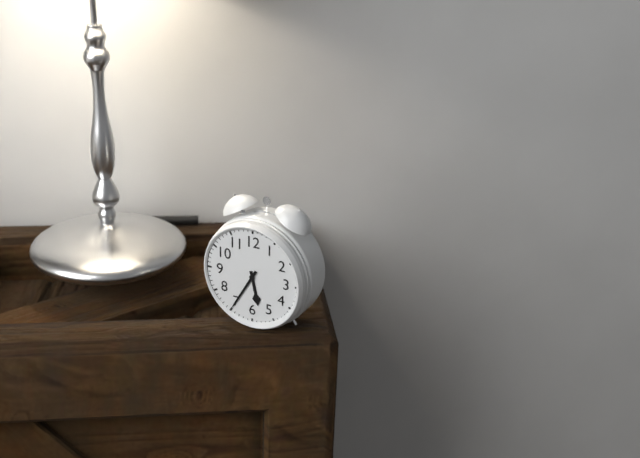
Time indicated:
5h35
